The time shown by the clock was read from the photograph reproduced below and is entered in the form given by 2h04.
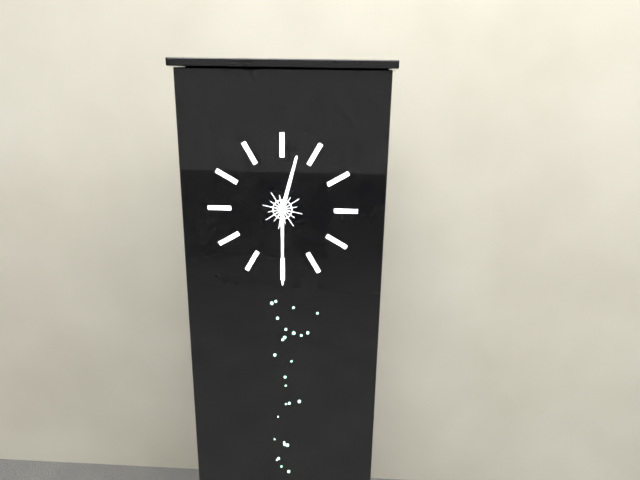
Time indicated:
12h30
